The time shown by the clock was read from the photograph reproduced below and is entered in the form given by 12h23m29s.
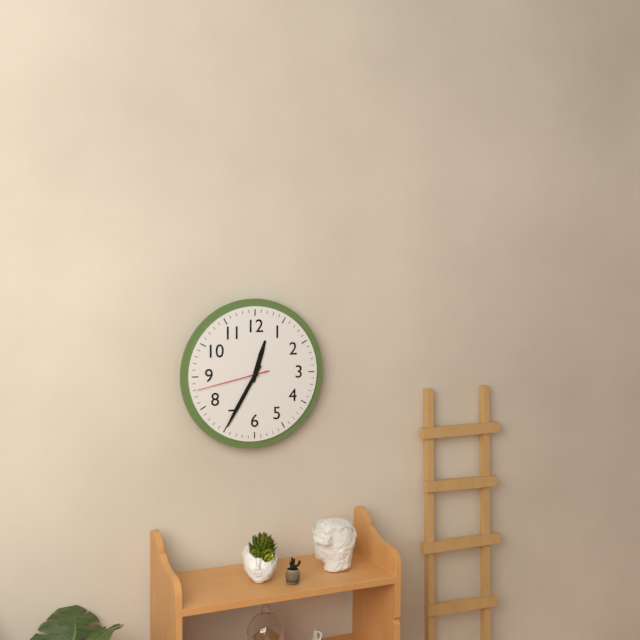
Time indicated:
12h35m43s
